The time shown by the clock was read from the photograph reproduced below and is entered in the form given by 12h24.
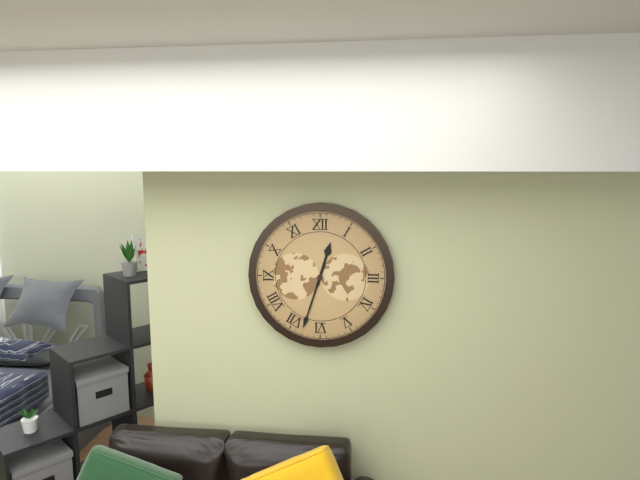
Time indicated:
12h33
